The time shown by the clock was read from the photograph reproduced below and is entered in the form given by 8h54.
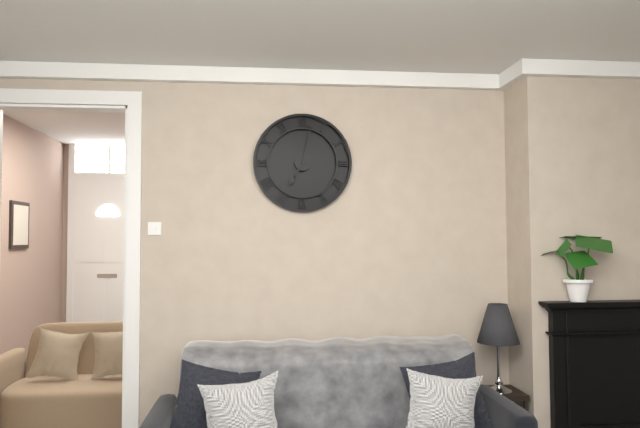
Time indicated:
7h02
